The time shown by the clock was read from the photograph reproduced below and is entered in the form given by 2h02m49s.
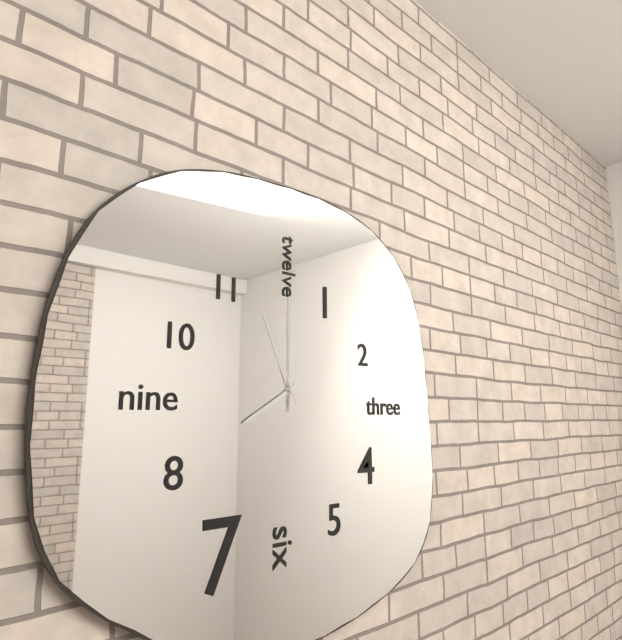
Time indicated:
8h00m56s
